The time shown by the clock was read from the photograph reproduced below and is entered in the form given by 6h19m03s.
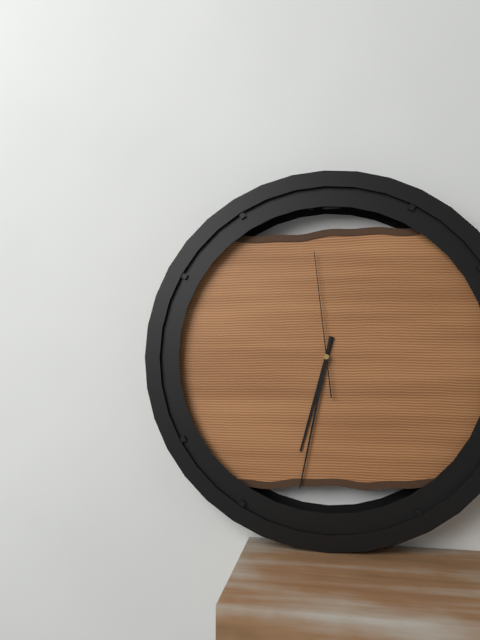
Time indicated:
6h32m59s
